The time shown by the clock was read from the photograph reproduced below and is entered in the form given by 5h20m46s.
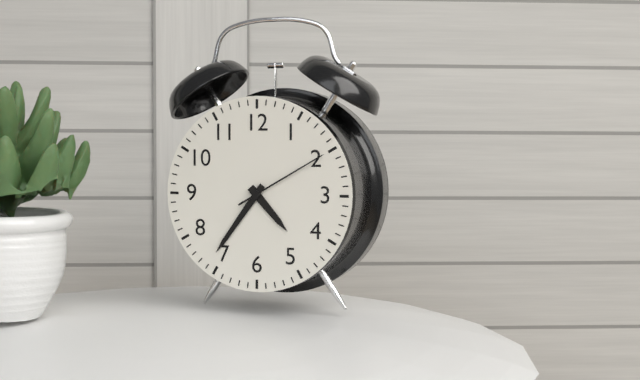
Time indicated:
4h36m10s
